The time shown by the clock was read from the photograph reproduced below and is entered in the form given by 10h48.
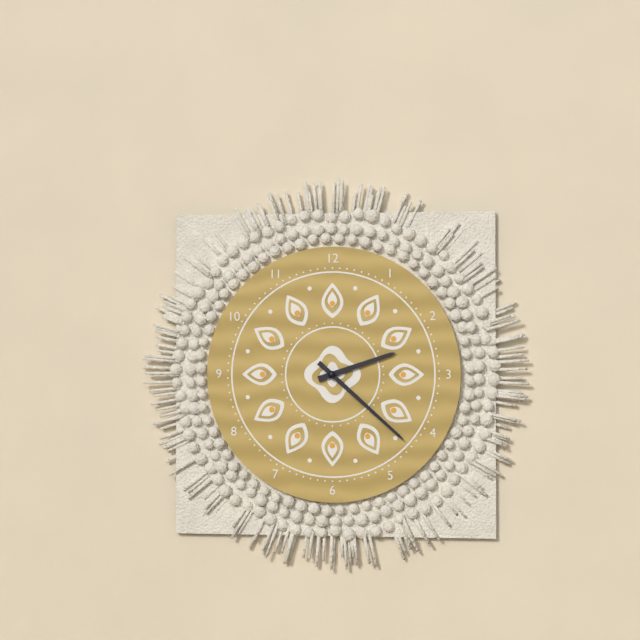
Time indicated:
2h22
